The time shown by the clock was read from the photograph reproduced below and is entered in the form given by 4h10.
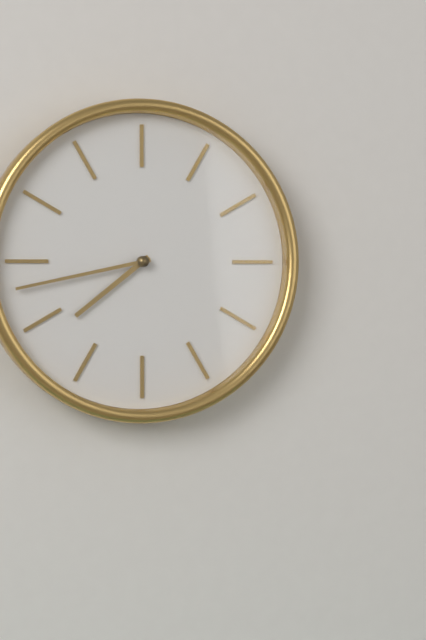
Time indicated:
7h43
